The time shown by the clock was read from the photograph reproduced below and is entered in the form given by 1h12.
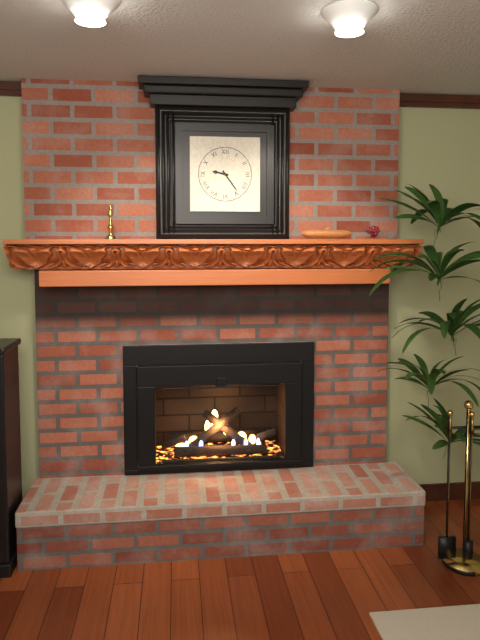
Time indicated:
9h24
